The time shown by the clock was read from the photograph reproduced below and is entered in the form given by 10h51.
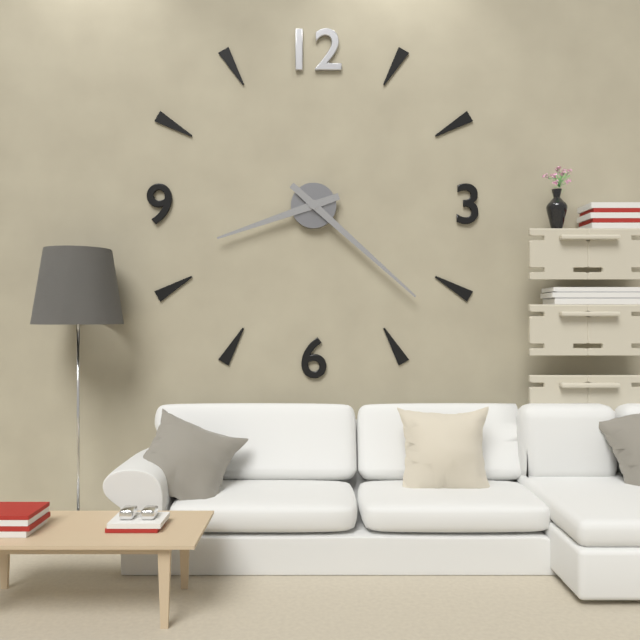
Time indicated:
8h22
